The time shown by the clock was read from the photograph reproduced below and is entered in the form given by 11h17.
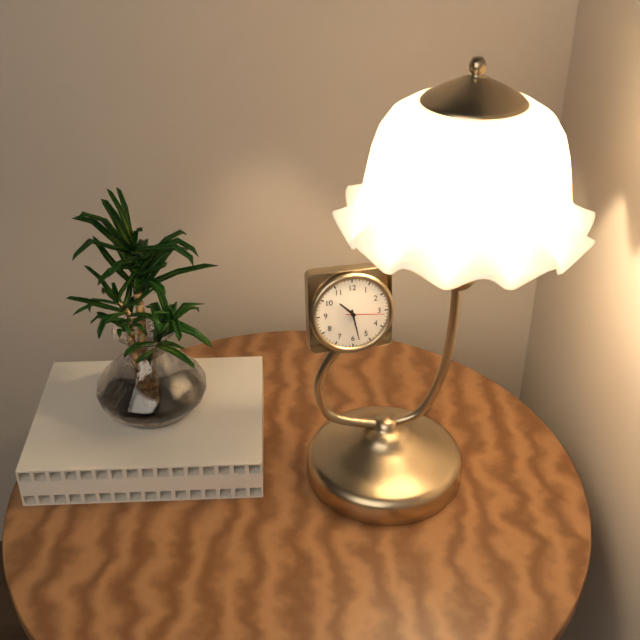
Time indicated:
10h28
